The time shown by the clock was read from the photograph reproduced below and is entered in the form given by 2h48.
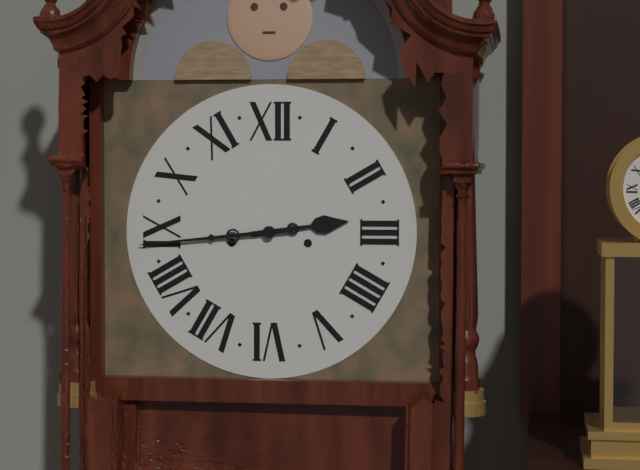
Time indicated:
2h44
